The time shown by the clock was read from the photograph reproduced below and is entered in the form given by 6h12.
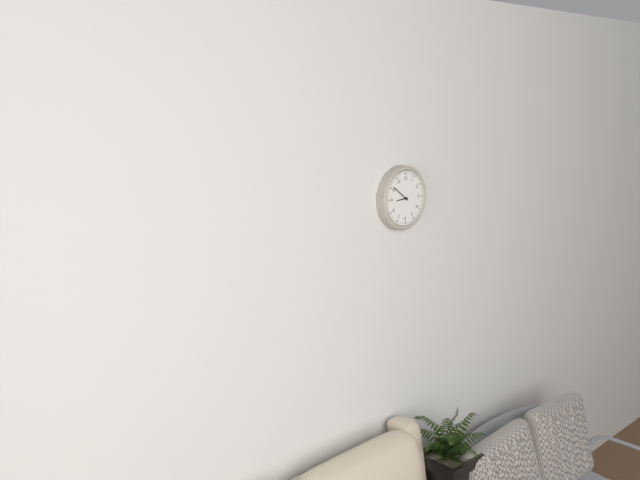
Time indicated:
8h51
